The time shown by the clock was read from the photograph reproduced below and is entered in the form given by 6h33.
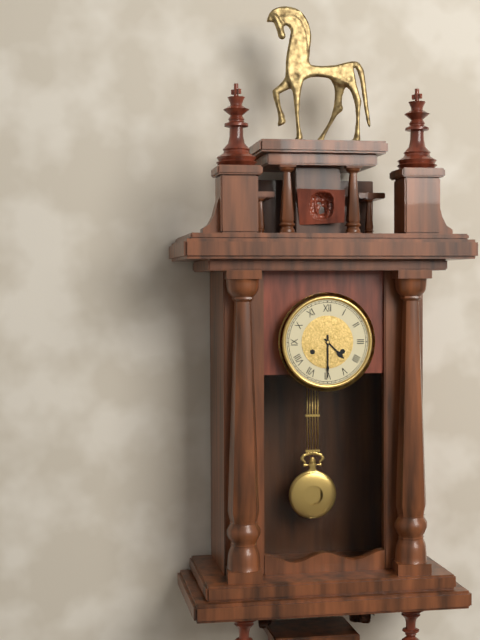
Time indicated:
4h30
